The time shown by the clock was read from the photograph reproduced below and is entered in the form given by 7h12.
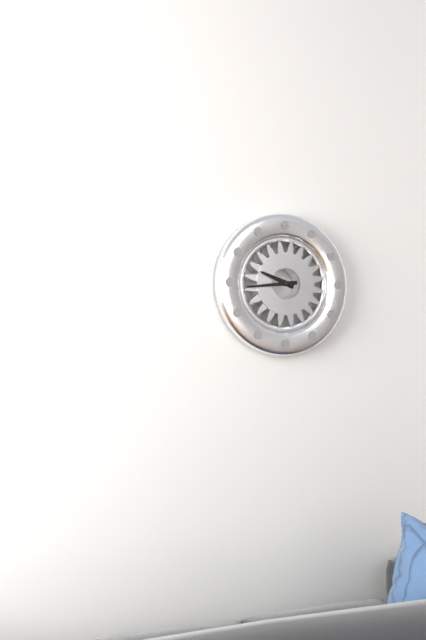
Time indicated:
9h44
